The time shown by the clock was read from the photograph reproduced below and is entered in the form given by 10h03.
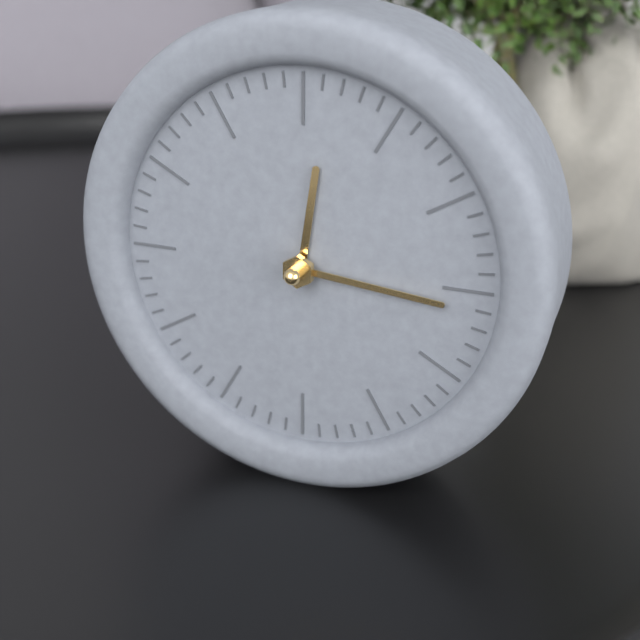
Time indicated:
12h16
